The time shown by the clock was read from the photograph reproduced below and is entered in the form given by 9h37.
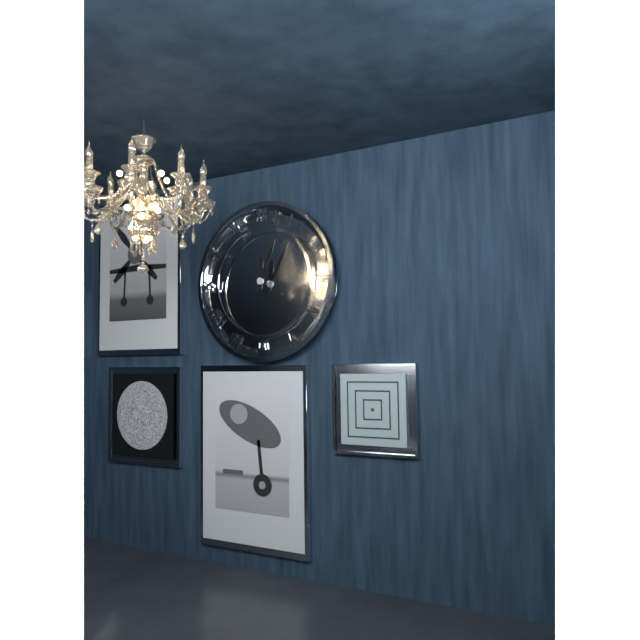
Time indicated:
12h04
